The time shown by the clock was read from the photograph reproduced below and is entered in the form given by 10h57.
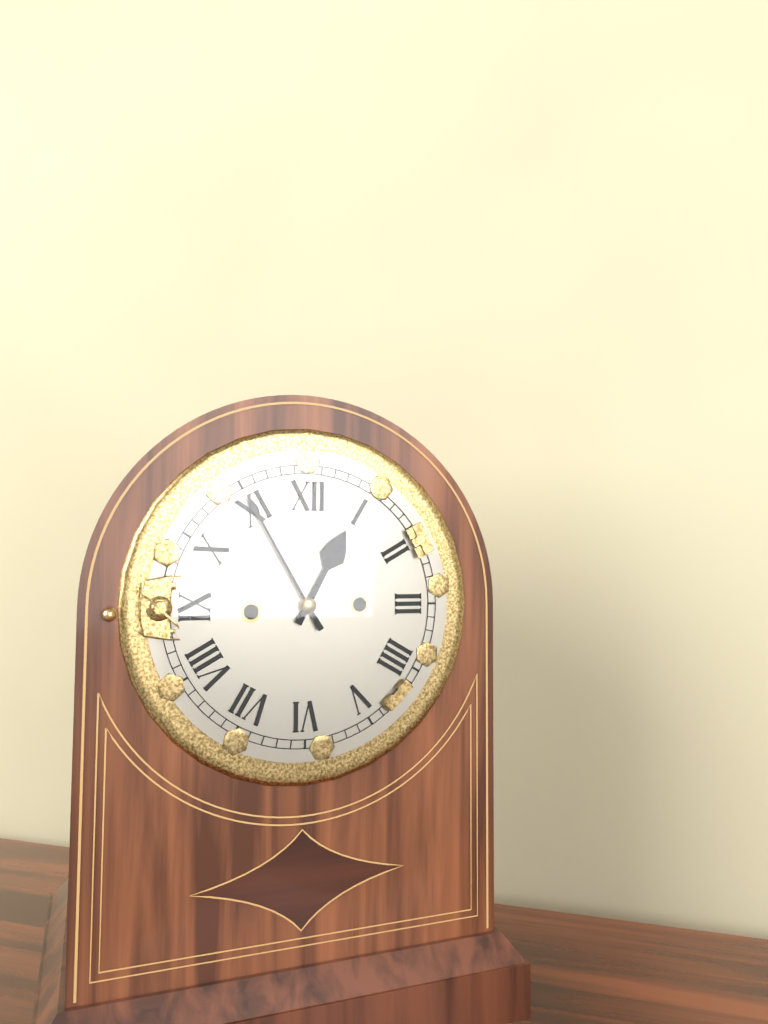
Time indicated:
12h55
